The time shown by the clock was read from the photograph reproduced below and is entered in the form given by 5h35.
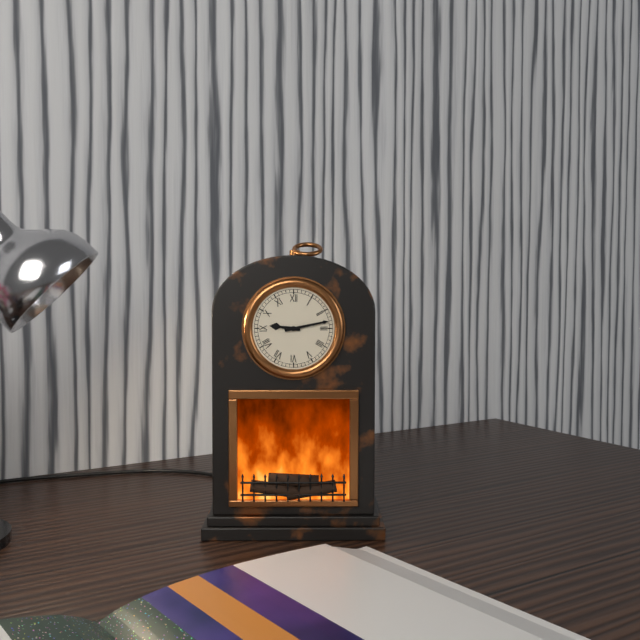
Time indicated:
9h13
